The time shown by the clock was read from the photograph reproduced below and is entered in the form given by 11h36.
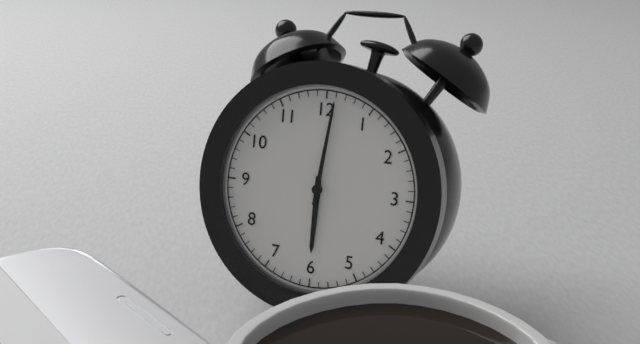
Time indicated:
6h01
